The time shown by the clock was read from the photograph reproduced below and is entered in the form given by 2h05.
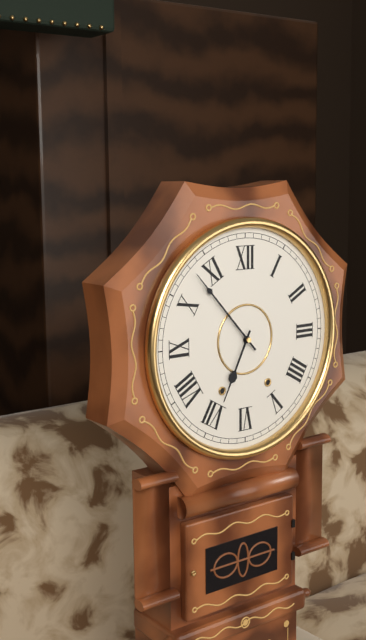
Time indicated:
6h53
